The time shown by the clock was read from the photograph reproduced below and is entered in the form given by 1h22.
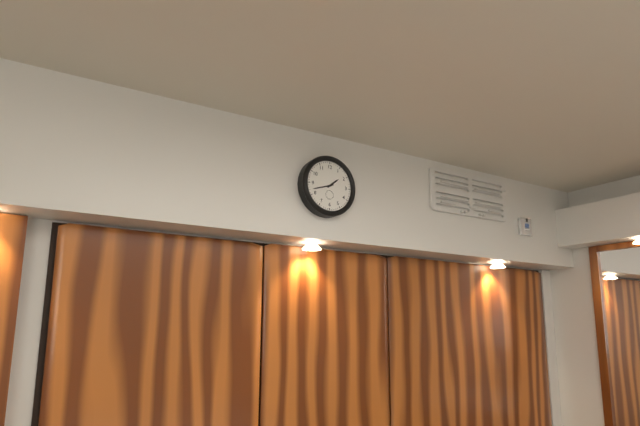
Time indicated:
1h42
